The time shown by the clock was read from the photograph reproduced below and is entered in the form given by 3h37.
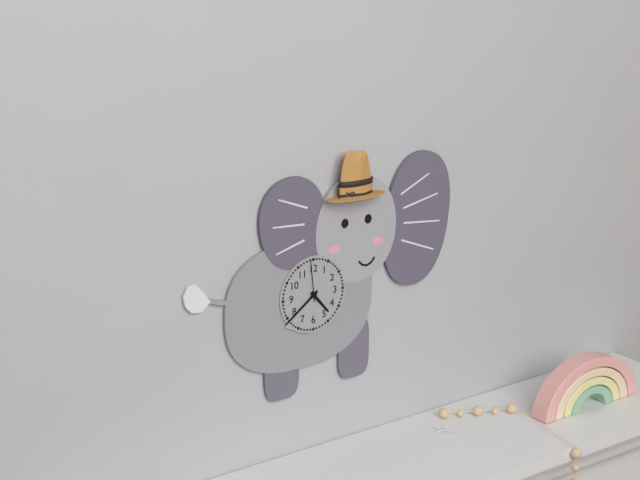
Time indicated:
4h39
